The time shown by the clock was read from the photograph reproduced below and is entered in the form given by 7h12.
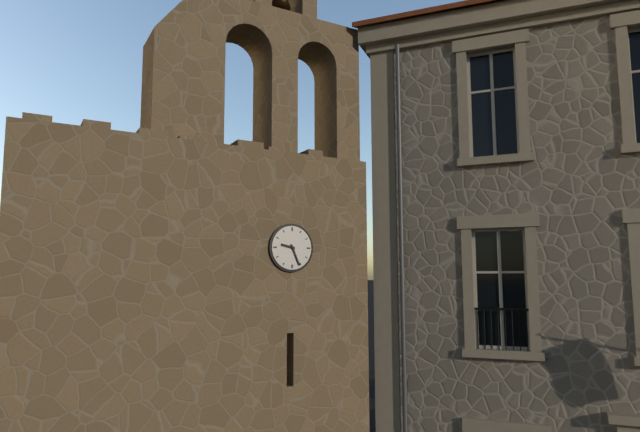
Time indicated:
9h26
